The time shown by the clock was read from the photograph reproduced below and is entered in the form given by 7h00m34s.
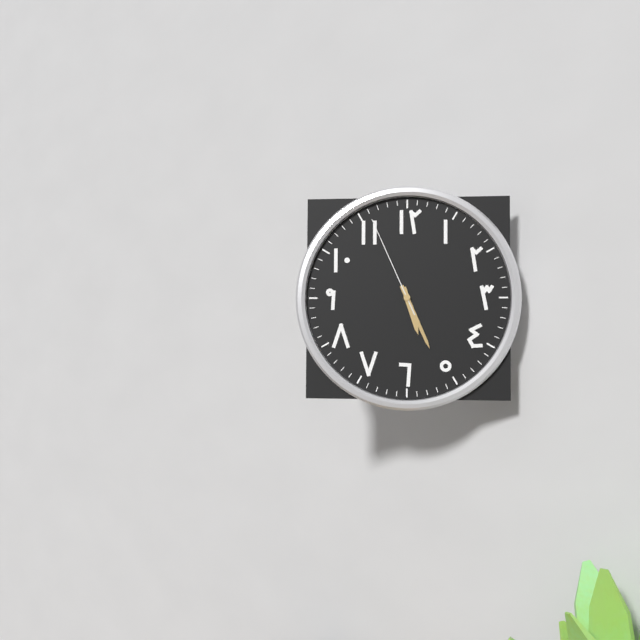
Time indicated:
5h26m56s
